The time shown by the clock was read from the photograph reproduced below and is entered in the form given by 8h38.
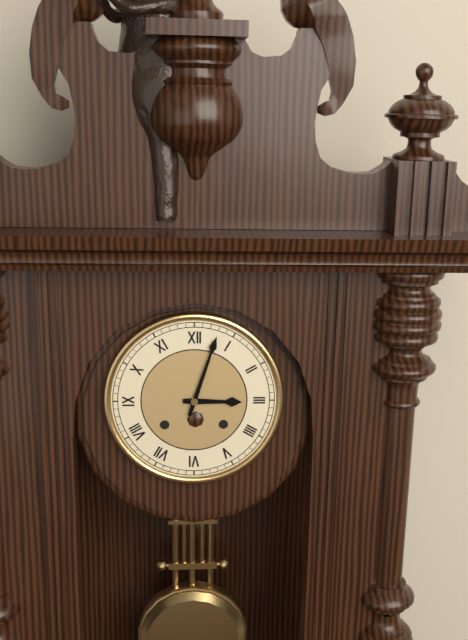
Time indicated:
3h03
